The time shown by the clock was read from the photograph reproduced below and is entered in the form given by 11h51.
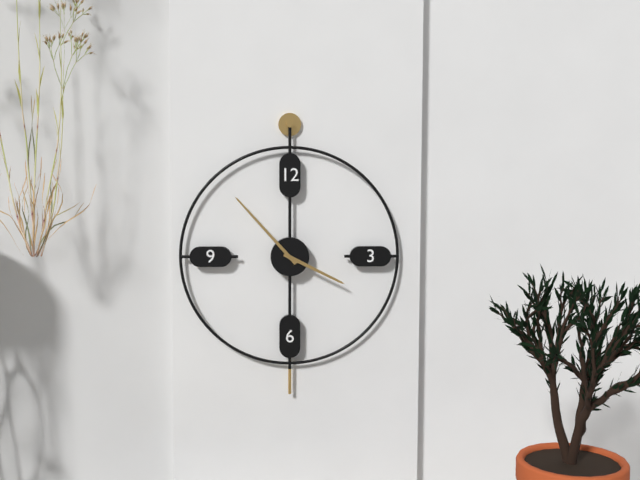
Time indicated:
3h53
